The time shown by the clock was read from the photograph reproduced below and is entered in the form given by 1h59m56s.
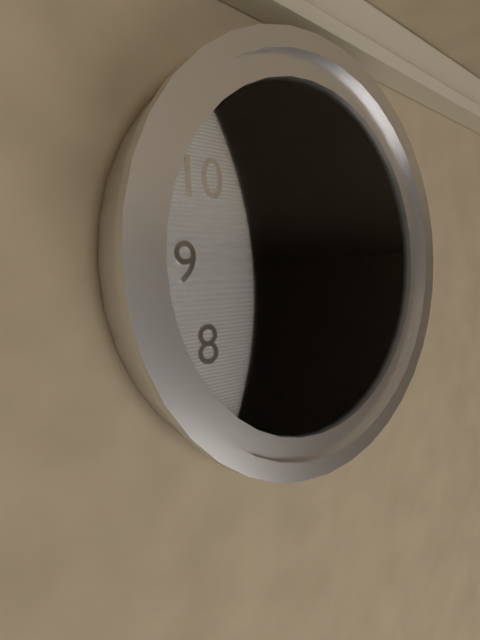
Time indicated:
4h00m19s
